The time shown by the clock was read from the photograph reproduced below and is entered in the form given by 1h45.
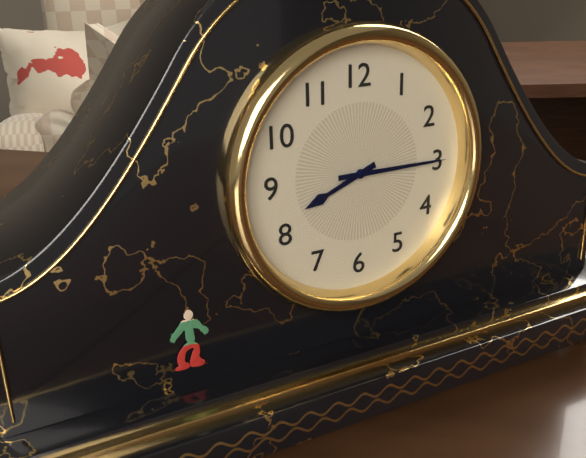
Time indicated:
8h15
